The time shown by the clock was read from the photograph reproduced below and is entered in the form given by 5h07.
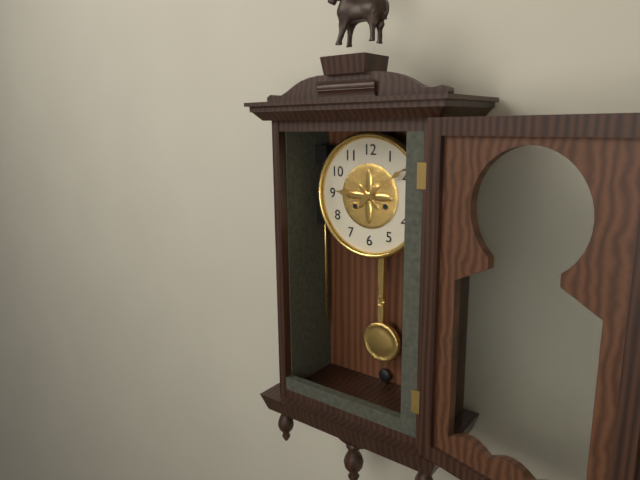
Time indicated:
9h09
